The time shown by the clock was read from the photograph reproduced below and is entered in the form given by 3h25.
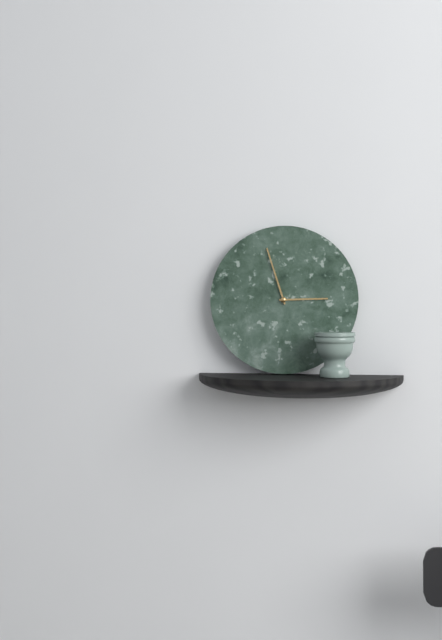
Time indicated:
2h57
